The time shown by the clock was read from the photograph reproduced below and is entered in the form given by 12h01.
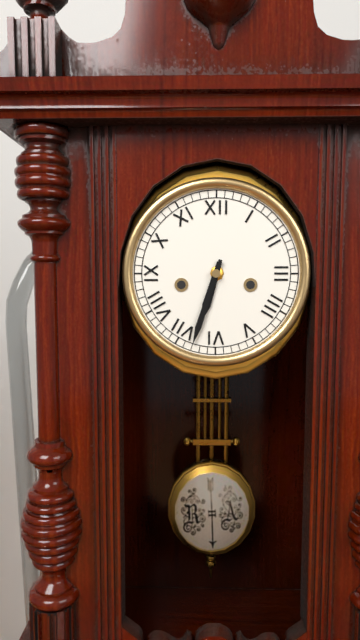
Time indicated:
6h33
